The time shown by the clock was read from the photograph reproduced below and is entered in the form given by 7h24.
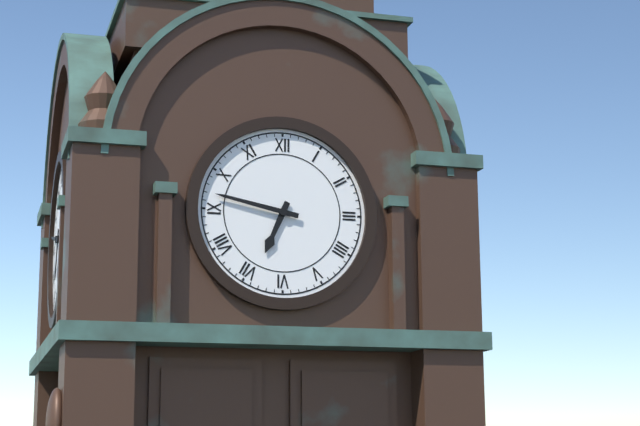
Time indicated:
6h47
